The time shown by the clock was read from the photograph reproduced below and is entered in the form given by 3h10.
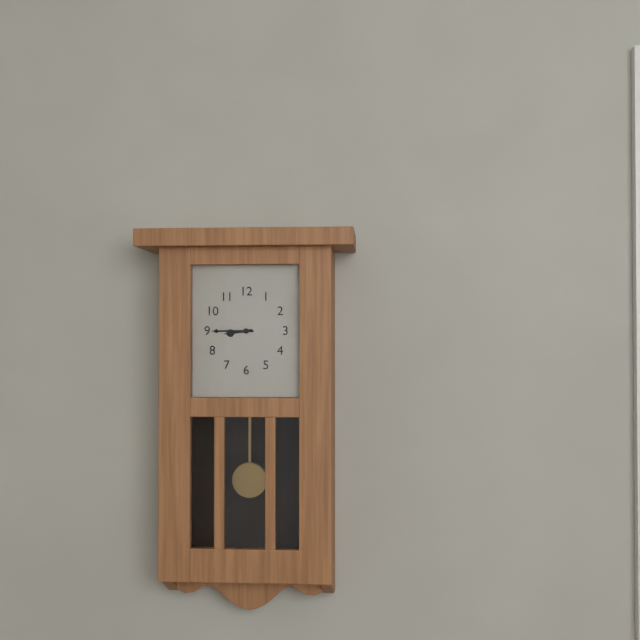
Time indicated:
8h45
